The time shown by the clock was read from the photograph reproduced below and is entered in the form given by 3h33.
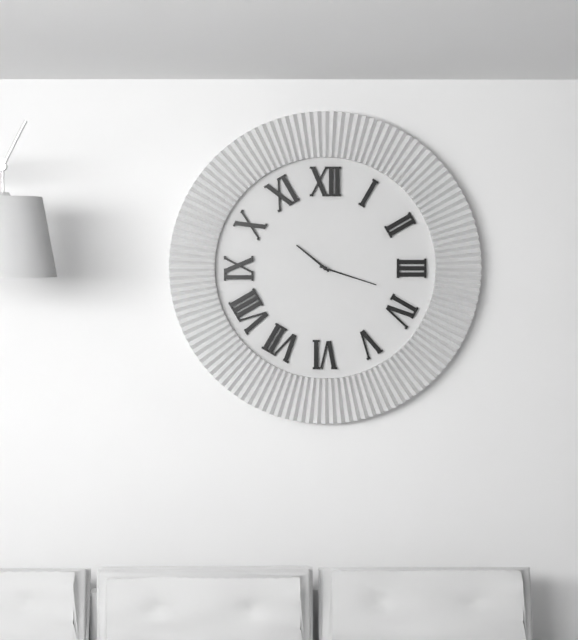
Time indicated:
10h18
